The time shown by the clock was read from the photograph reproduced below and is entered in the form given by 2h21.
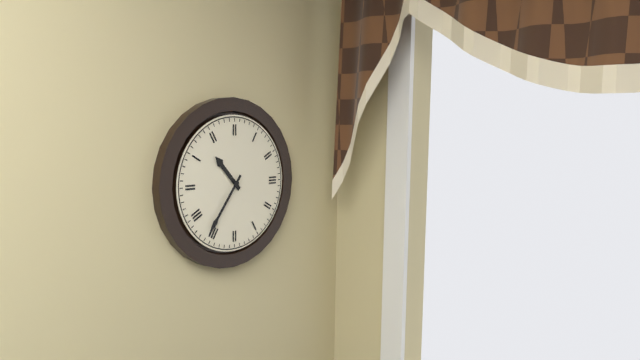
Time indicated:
10h36
